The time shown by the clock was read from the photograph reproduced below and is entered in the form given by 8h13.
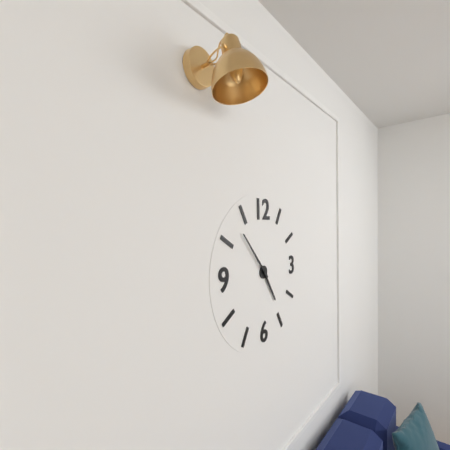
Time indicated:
4h53
